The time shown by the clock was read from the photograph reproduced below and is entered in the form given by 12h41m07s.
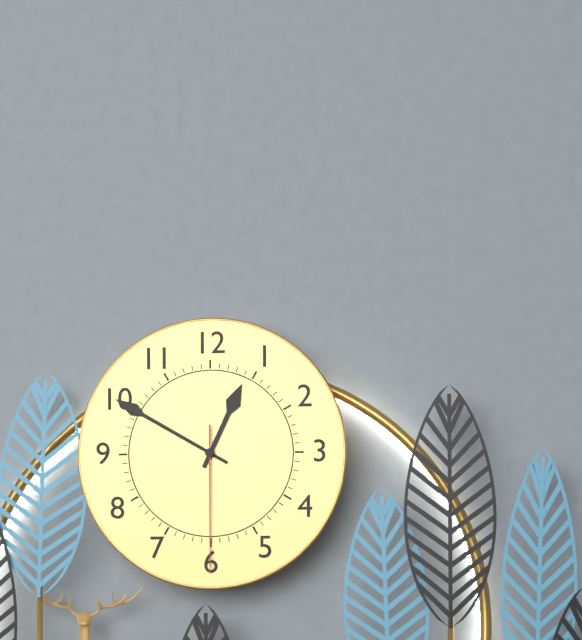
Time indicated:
12h50m30s
